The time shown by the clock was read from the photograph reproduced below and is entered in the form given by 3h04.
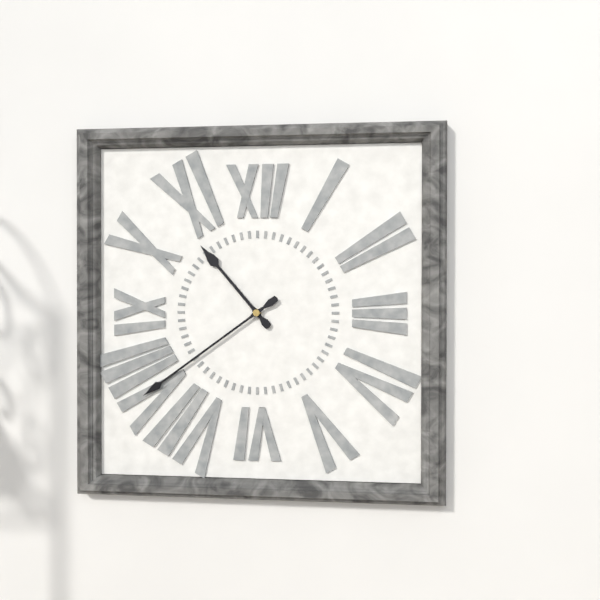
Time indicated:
10h39
